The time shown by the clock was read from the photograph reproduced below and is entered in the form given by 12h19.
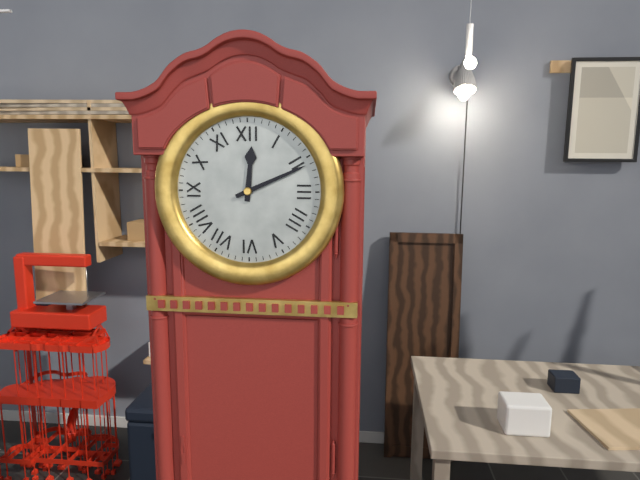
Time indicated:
12h11
